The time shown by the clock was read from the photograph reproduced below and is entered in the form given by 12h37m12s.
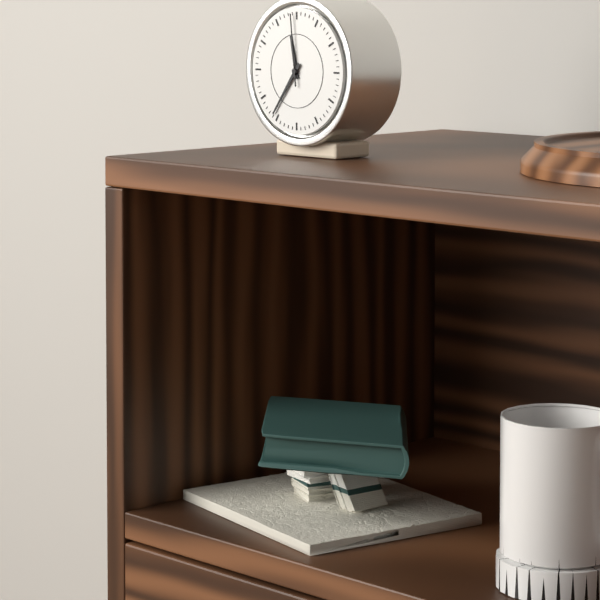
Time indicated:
11h36m59s
